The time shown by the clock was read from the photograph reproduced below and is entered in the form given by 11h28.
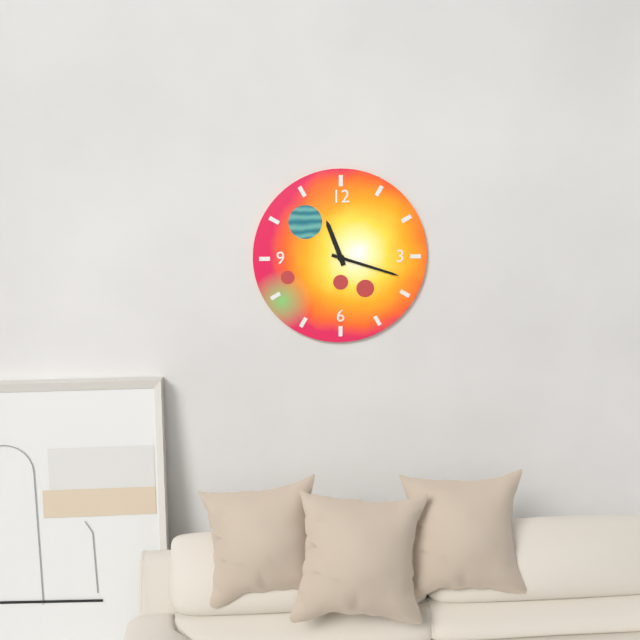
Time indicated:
11h18
